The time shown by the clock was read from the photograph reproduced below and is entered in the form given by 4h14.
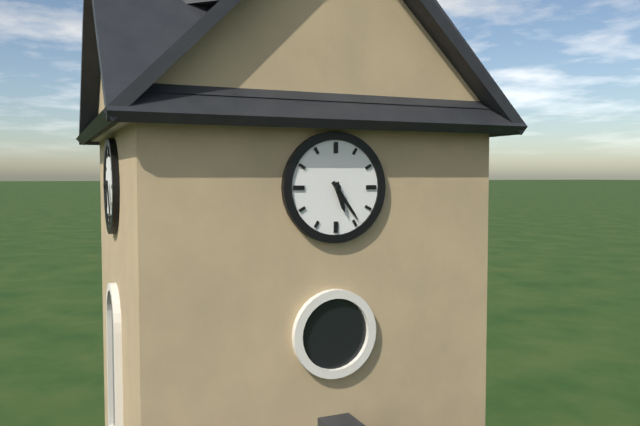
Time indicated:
5h24
